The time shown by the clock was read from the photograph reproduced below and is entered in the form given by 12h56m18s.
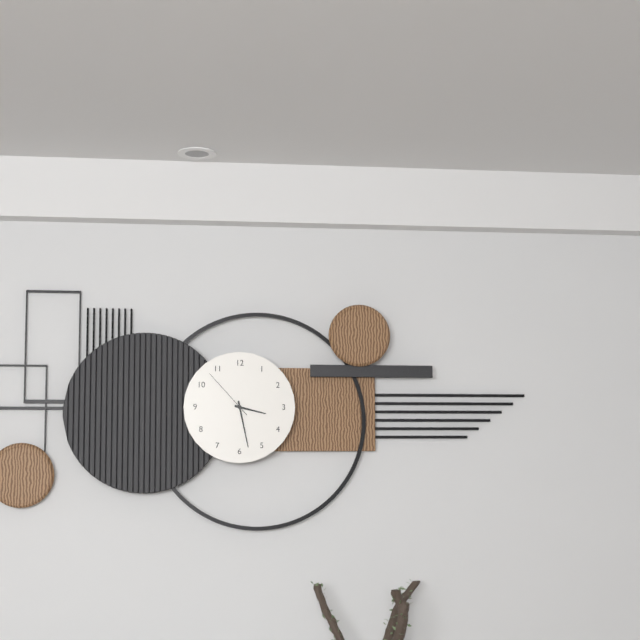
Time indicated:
3h28m53s
